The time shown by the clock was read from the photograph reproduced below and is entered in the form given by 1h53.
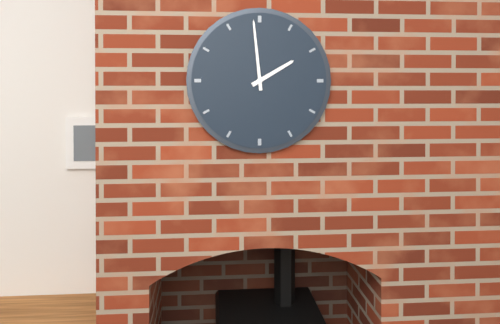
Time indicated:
1h59
